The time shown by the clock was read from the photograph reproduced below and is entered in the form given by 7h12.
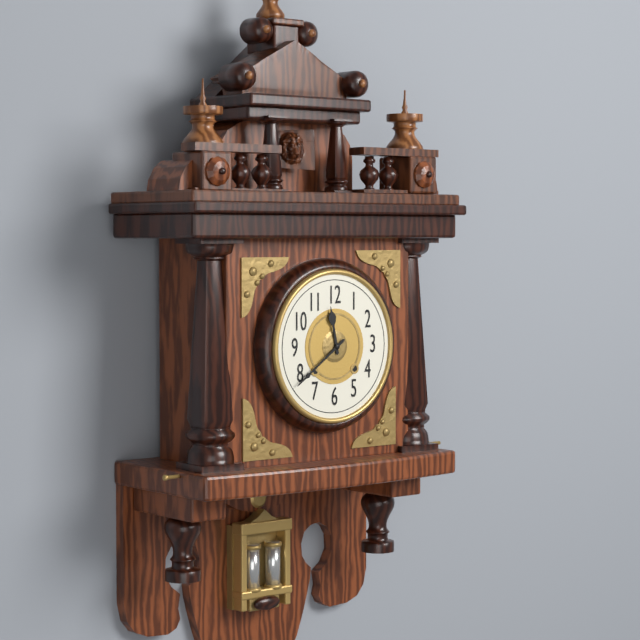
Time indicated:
11h39
